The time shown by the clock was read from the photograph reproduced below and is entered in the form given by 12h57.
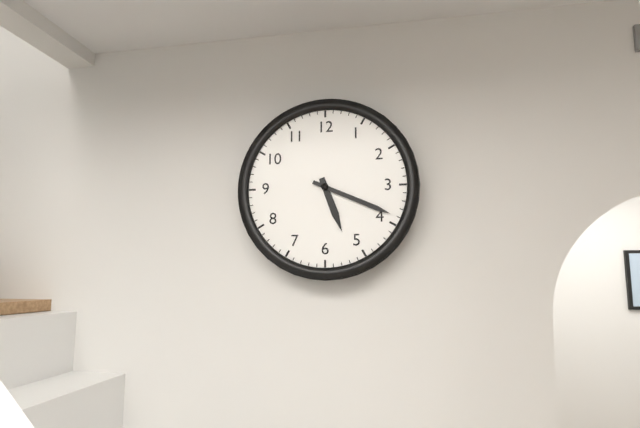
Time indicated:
5h19
